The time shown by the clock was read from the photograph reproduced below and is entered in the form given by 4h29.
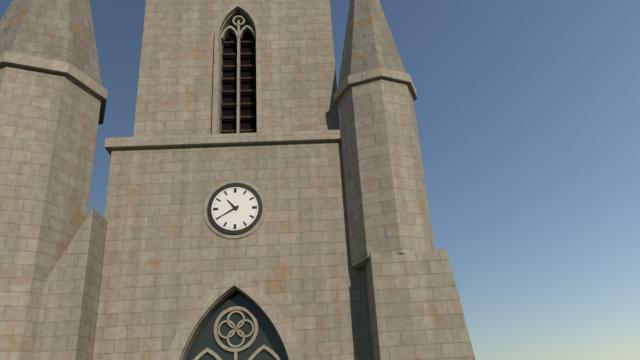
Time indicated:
10h40
